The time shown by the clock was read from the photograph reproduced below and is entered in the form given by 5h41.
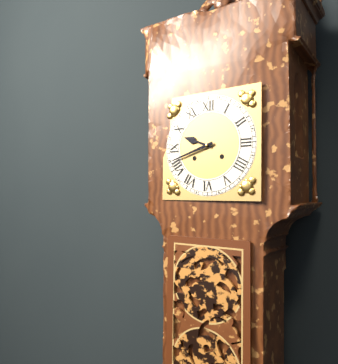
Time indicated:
9h42
